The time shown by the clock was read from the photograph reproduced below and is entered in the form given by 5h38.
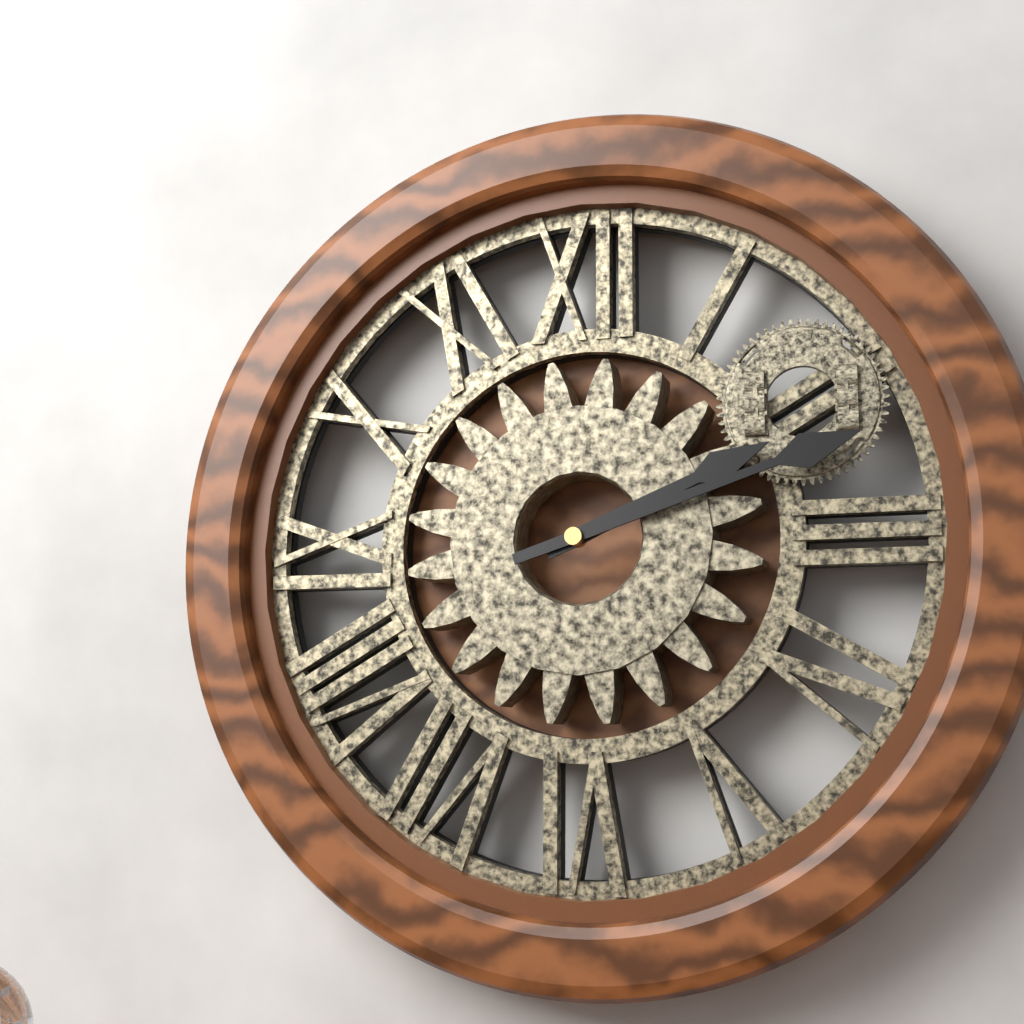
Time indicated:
2h12
